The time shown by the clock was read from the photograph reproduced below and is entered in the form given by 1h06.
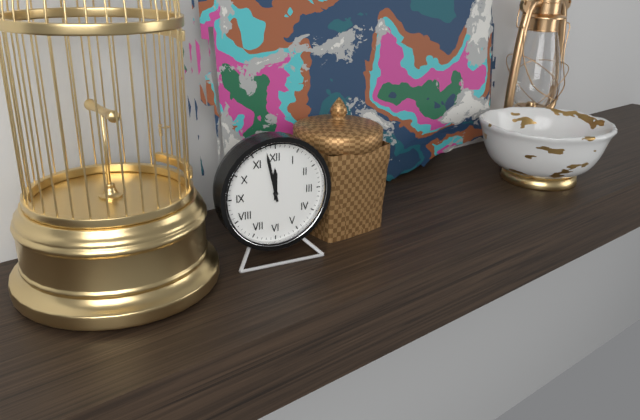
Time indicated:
11h58
